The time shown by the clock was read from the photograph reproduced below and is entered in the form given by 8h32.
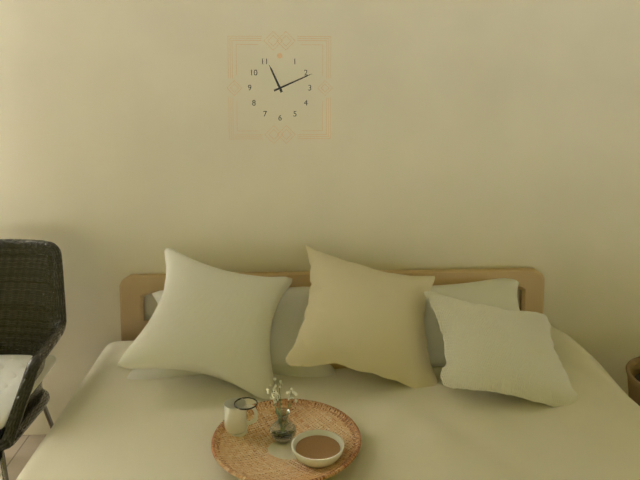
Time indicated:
11h11
